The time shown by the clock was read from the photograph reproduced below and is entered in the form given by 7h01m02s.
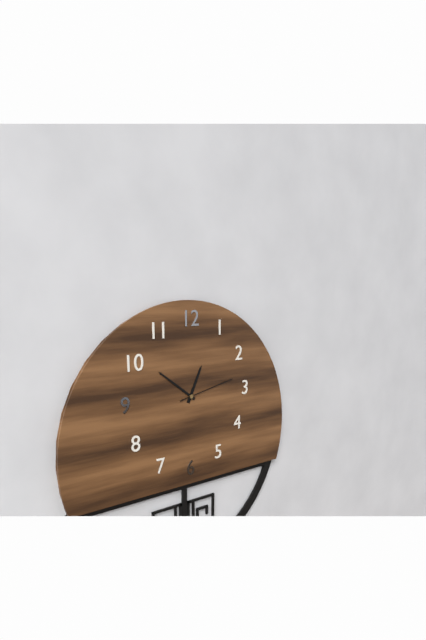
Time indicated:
12h51m13s
